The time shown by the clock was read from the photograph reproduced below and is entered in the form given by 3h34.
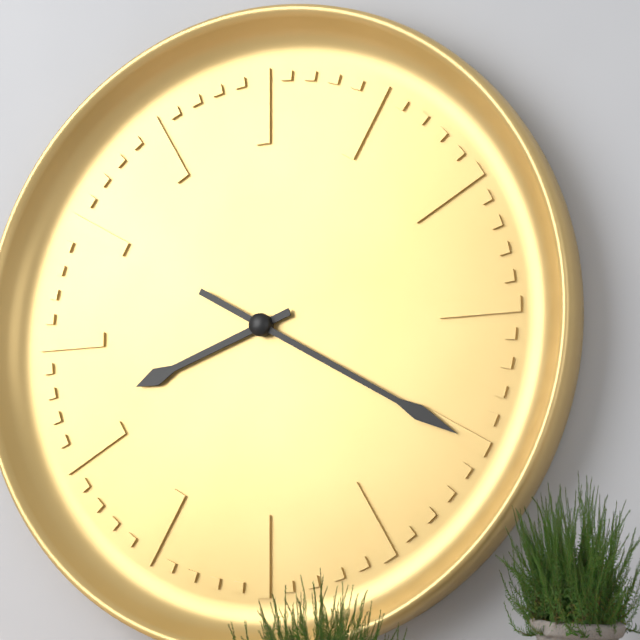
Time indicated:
8h20
